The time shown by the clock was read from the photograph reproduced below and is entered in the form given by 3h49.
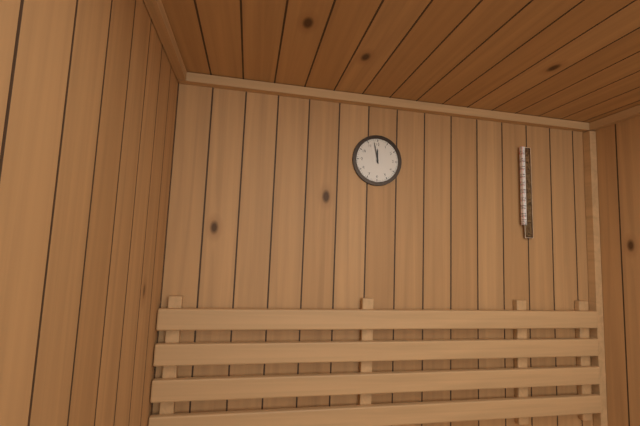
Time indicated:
11h58
